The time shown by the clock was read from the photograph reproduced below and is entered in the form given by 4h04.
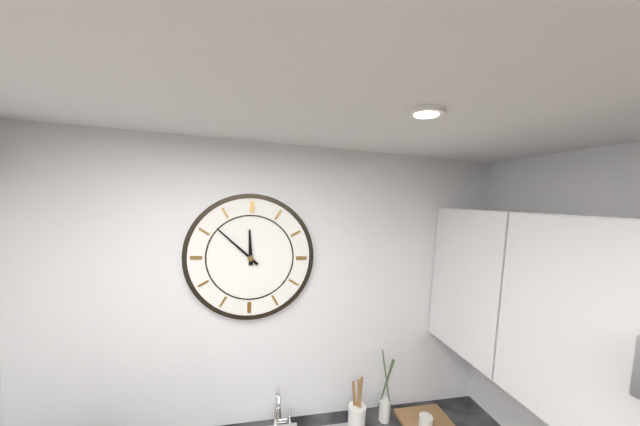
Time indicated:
11h52
